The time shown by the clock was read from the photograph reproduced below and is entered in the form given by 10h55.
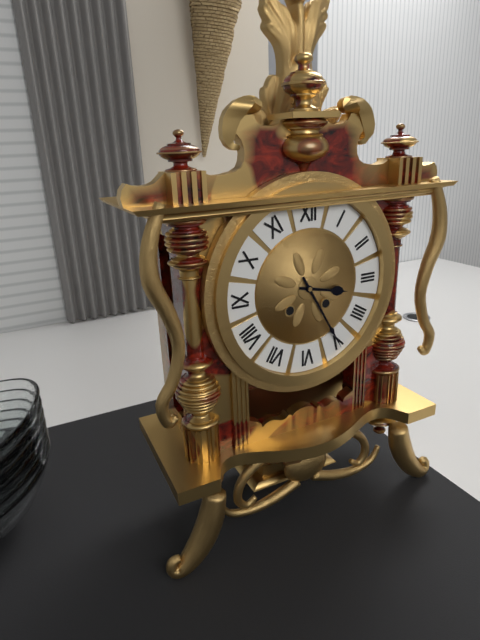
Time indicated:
3h25
